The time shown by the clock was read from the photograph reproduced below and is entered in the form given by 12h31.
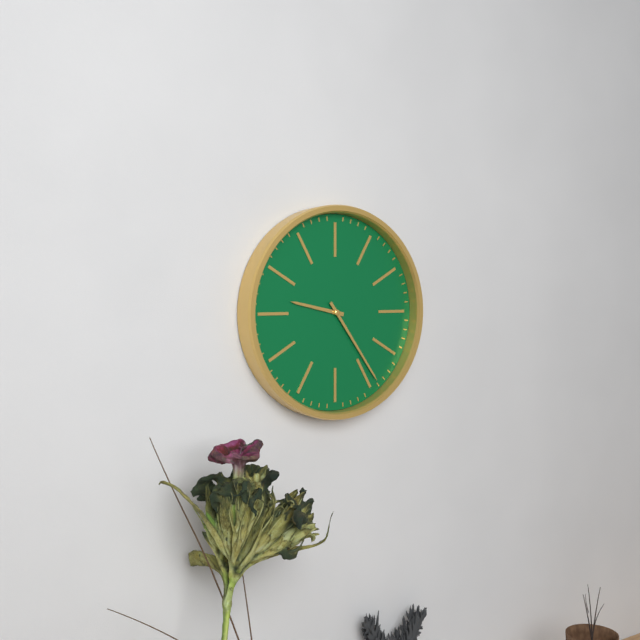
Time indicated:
9h24
